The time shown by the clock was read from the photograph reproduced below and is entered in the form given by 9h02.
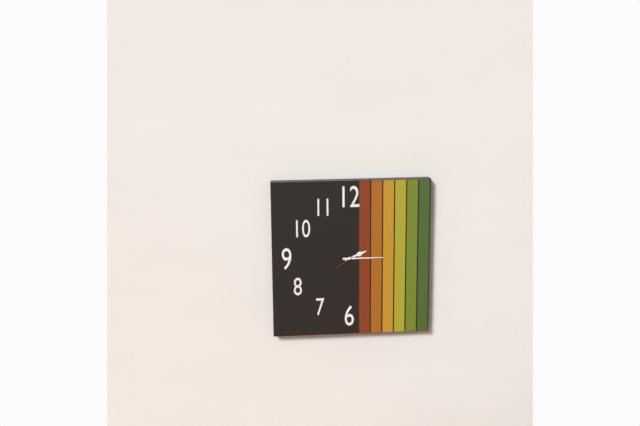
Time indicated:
2h15
